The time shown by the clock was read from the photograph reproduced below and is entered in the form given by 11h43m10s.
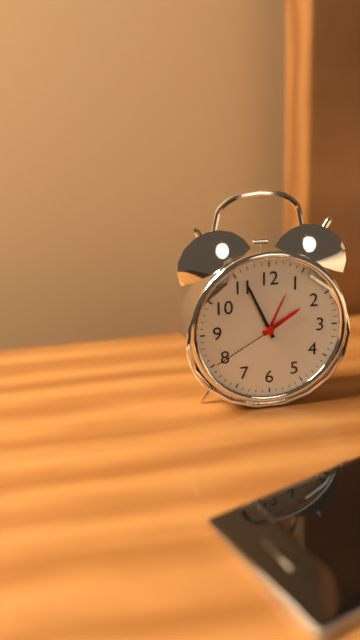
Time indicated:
1h56m40s
